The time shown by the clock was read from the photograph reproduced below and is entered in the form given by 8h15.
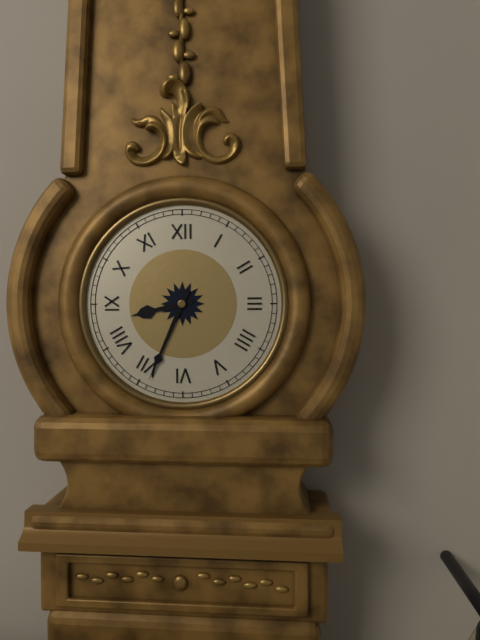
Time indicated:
8h34
